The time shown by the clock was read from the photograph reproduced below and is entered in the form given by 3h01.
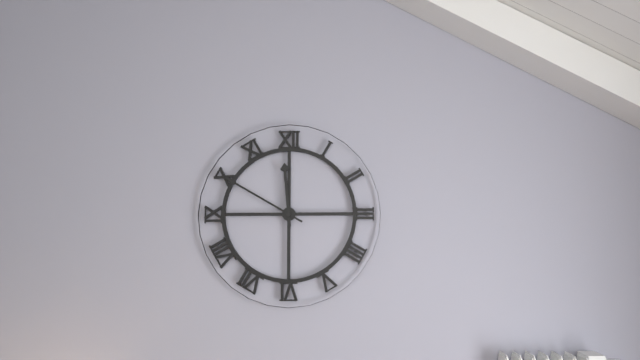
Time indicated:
11h50
